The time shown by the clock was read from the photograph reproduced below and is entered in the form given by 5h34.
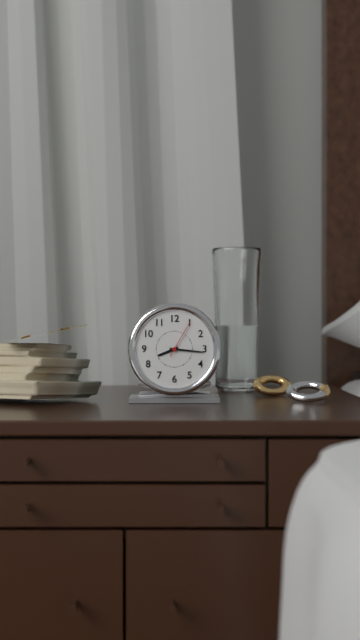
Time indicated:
8h16
